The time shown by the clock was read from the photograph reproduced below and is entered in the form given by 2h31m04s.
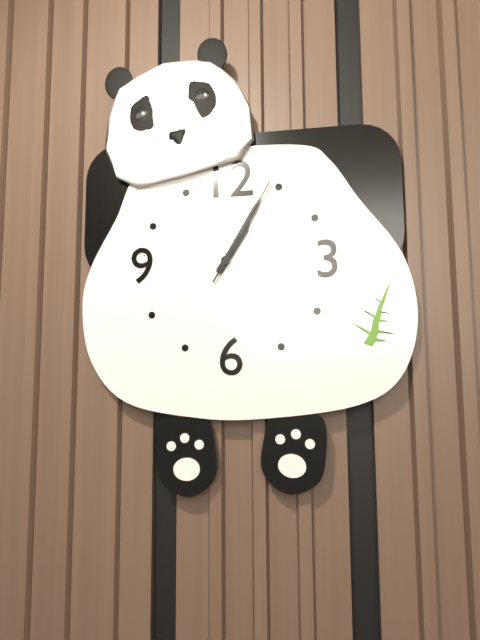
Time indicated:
1h05m05s
